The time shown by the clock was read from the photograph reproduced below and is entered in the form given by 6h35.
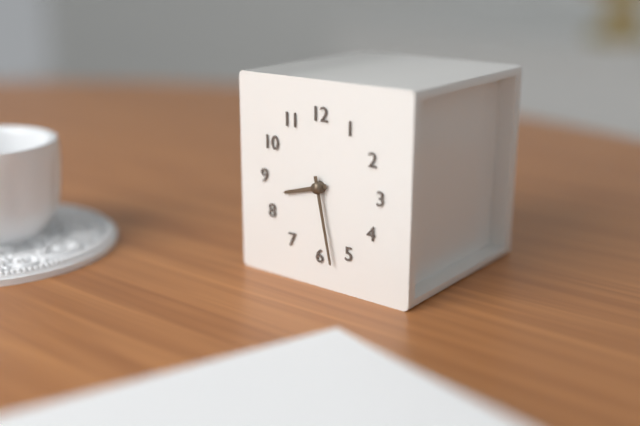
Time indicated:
8h28
